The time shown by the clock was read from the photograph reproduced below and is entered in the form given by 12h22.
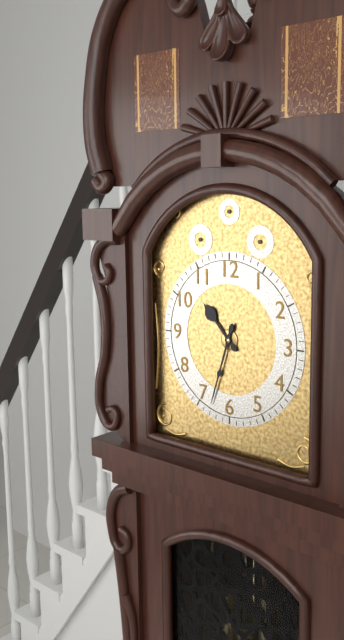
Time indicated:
10h33
